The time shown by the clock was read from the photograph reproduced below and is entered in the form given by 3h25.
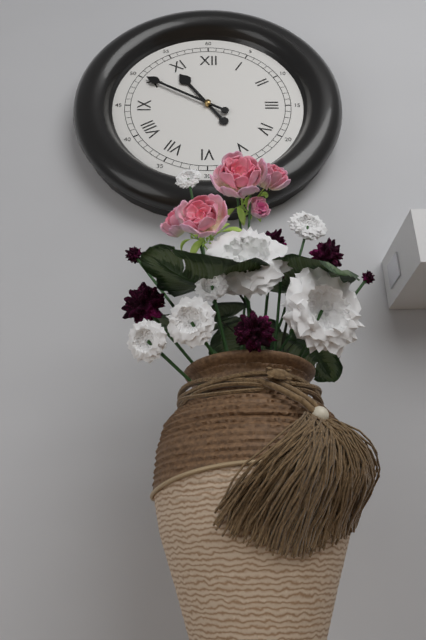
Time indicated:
10h50
